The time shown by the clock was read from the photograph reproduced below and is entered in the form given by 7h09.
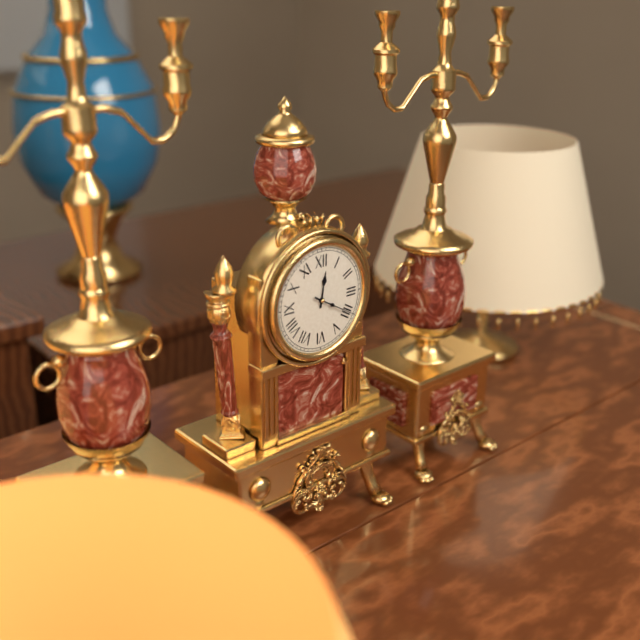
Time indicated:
12h20
